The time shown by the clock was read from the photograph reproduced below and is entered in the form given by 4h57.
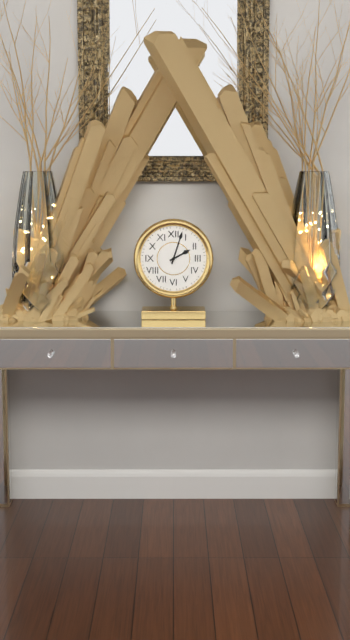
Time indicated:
2h03
